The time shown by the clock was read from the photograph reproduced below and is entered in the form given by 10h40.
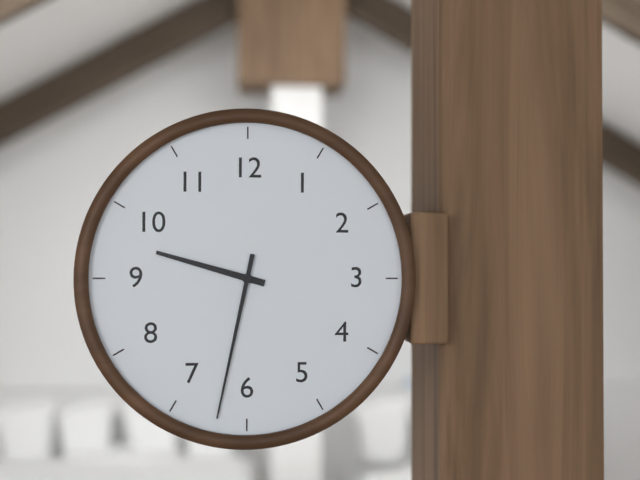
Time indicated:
9h32
